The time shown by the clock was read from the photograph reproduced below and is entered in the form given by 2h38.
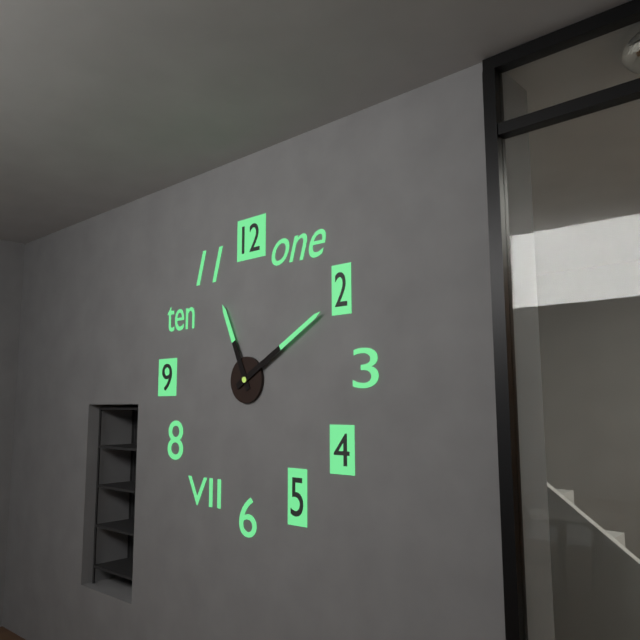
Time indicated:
11h10
